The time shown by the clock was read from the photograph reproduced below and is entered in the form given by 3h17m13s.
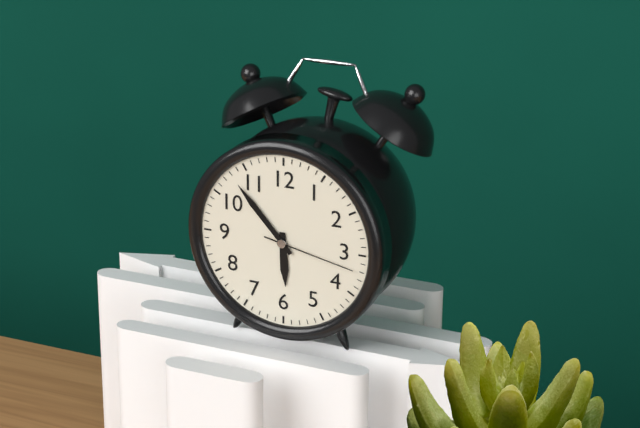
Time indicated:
5h53m17s
